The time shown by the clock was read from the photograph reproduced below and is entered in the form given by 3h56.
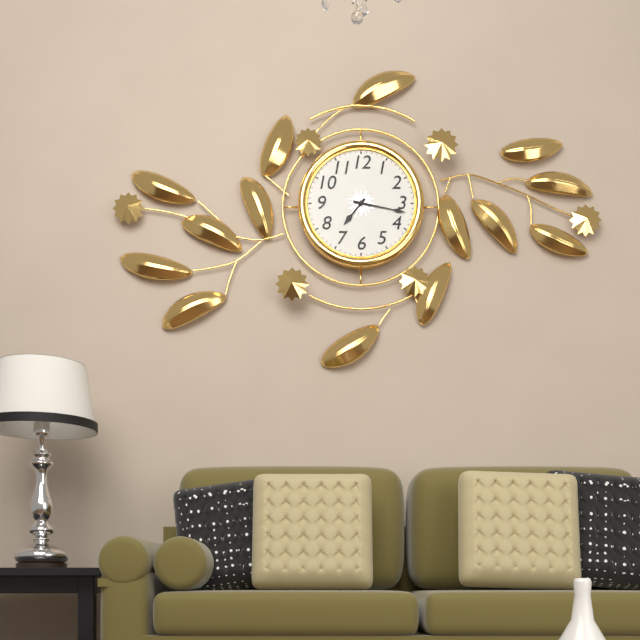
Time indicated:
7h17
